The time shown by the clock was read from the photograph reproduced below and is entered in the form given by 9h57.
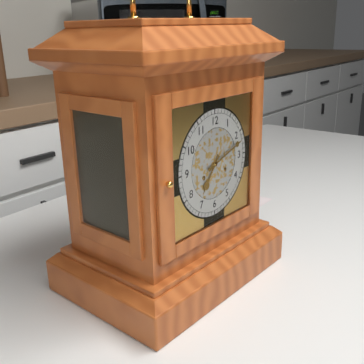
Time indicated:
7h12
